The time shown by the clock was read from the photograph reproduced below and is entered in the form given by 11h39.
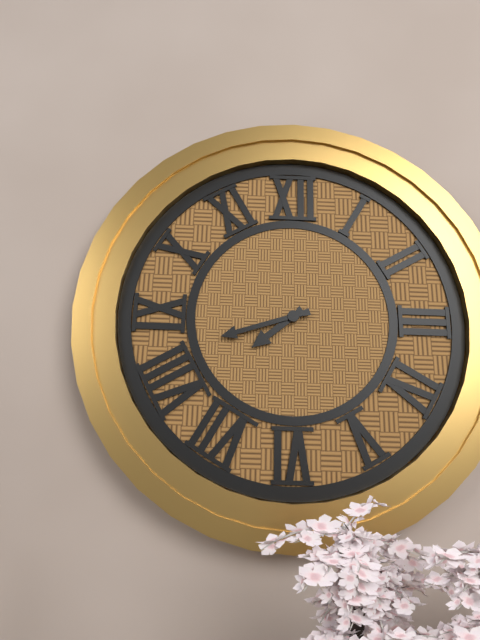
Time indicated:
7h42
